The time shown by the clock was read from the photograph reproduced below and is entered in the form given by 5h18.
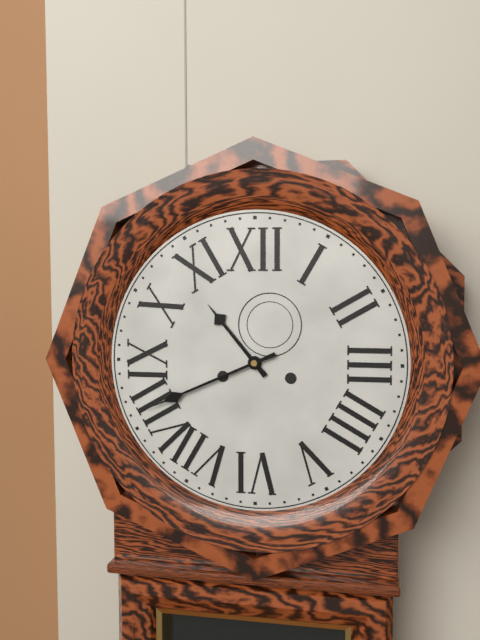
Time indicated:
10h41
